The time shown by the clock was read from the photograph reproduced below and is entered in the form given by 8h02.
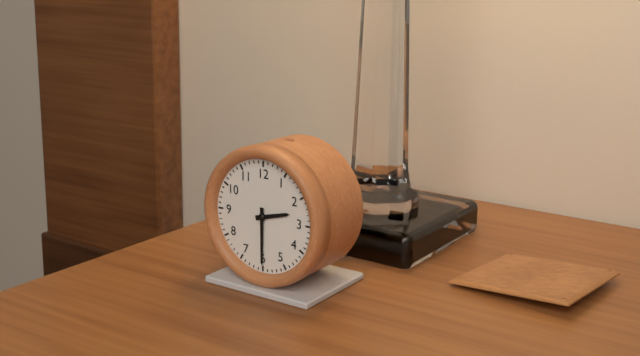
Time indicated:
2h30
